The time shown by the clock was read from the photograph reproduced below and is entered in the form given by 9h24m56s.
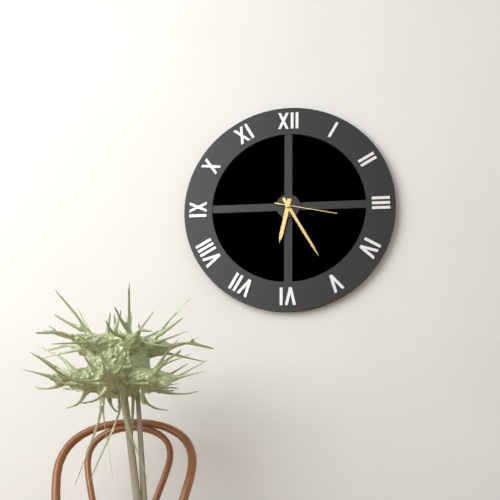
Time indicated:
6h25m17s
